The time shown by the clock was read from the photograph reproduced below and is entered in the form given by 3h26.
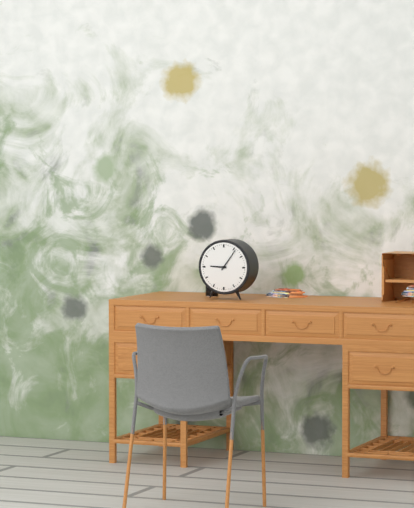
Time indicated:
9h06
